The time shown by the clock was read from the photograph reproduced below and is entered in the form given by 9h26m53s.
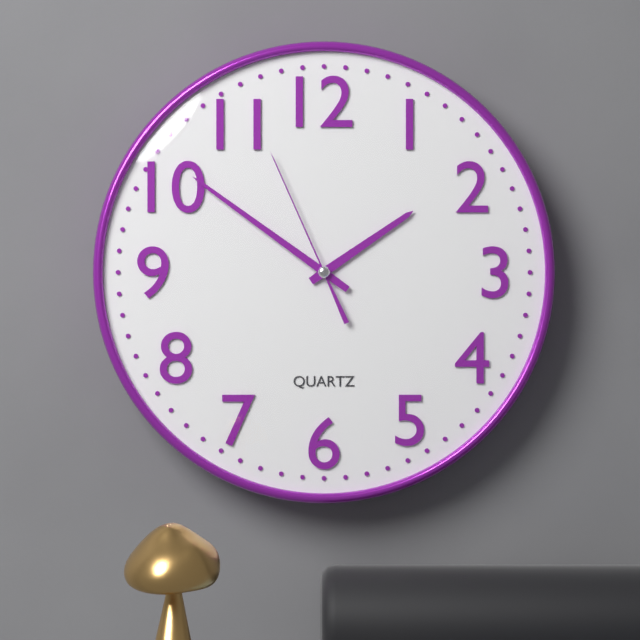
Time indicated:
1h51m56s
